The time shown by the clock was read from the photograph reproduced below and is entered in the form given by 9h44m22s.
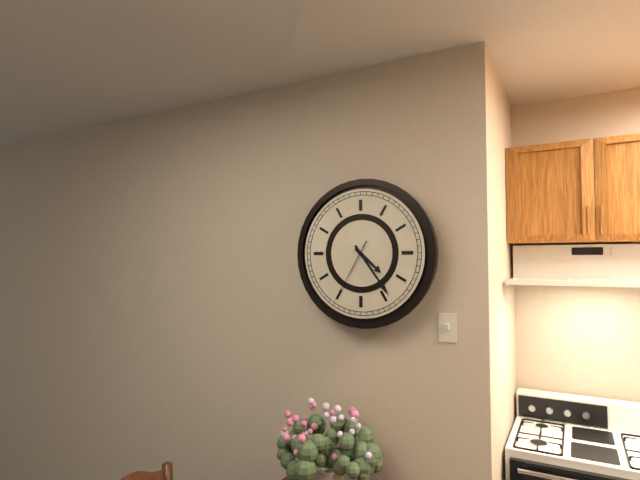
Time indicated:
4h24m35s
